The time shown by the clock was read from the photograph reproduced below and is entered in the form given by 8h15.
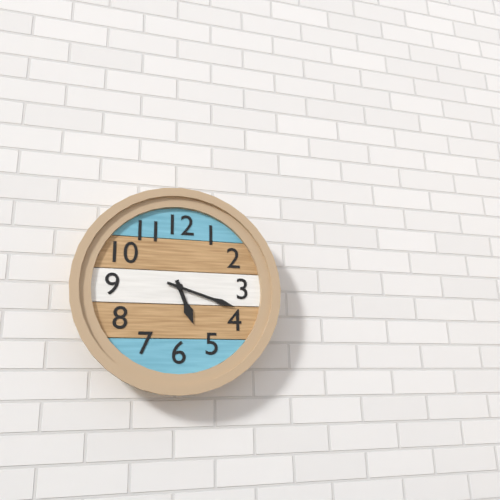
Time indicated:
5h18
